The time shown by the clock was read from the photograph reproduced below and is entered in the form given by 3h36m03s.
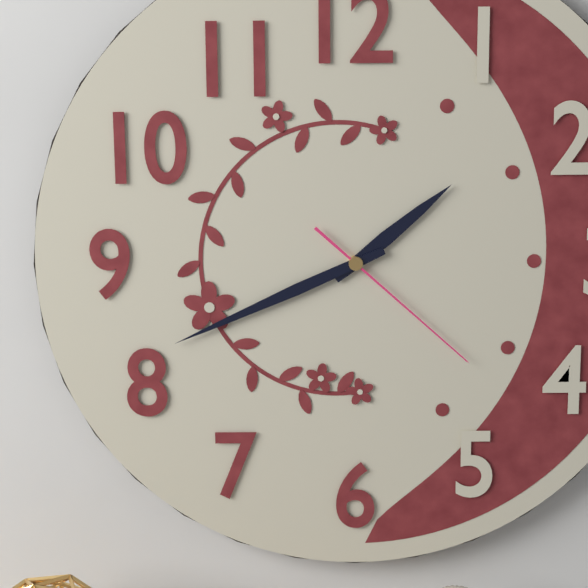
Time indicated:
1h41m22s
